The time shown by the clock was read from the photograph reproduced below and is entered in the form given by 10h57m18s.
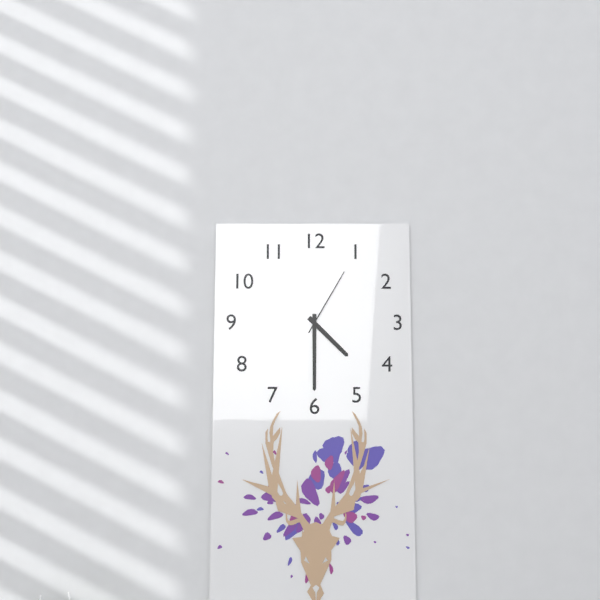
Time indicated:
4h30m05s
